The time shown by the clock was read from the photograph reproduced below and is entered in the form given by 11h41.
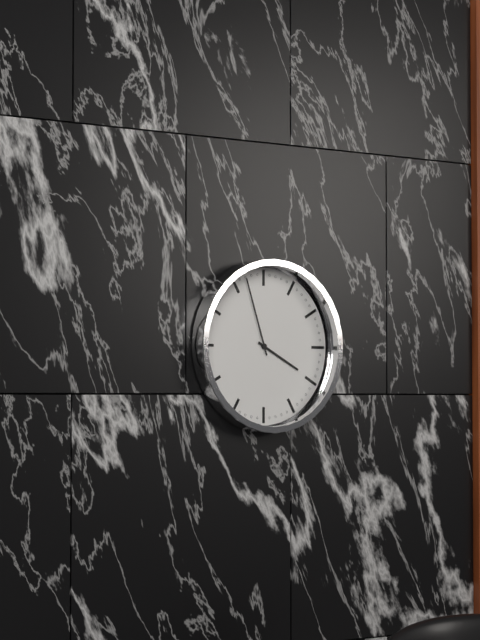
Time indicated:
3h57
